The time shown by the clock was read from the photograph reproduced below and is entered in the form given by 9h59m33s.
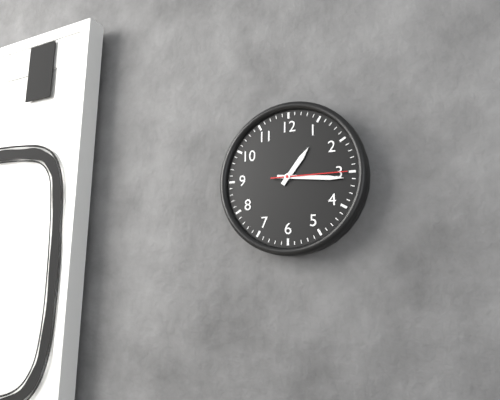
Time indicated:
1h16m15s
